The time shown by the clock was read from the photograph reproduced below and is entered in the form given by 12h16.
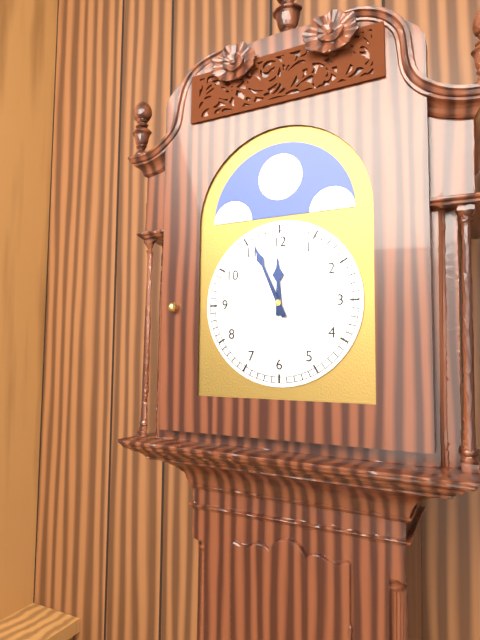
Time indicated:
11h56
